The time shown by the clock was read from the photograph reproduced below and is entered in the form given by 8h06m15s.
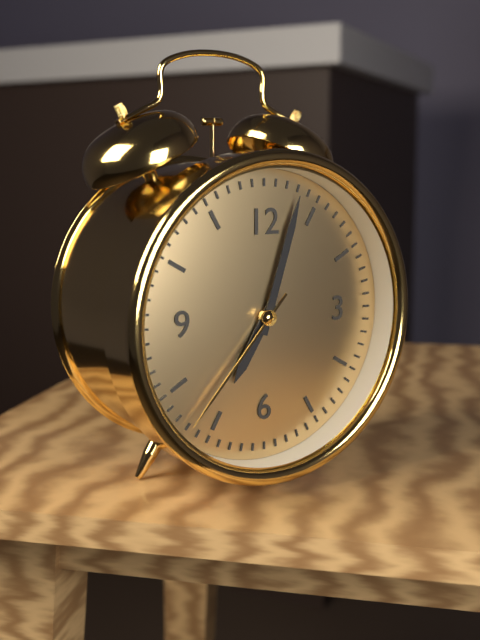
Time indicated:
7h03m37s
